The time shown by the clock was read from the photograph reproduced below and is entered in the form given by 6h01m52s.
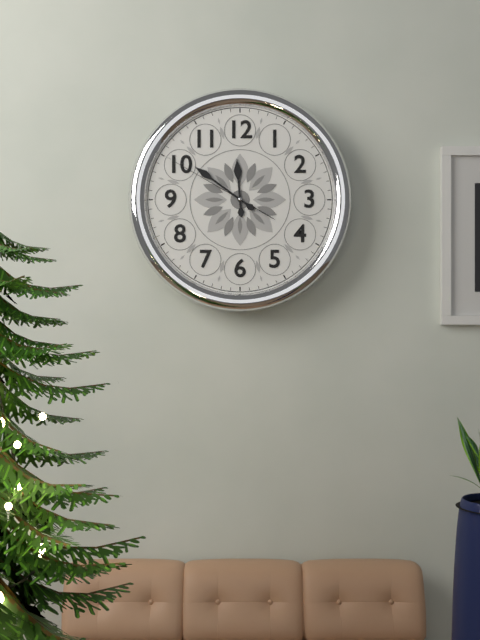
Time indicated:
11h51m50s
